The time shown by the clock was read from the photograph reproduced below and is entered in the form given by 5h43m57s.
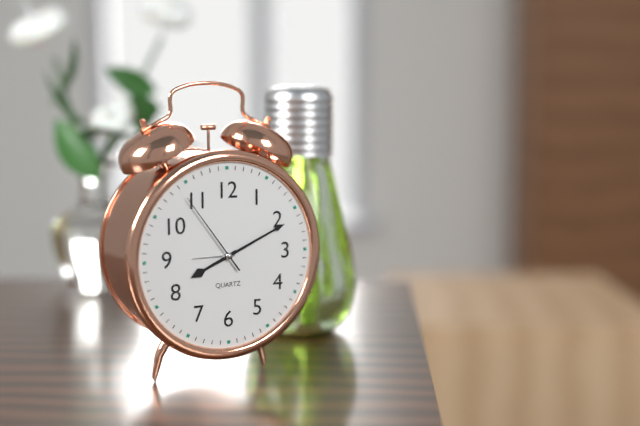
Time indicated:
8h11m54s
